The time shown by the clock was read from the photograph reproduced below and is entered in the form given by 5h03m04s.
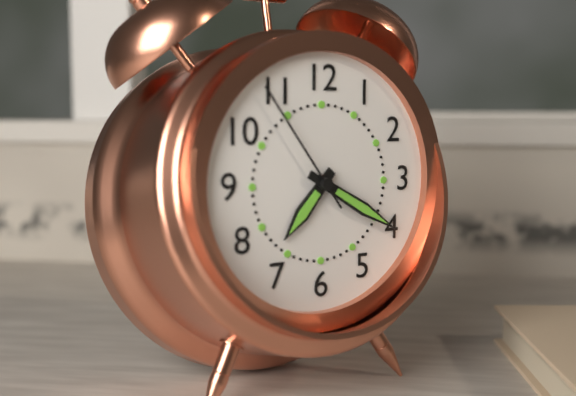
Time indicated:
7h20m54s
